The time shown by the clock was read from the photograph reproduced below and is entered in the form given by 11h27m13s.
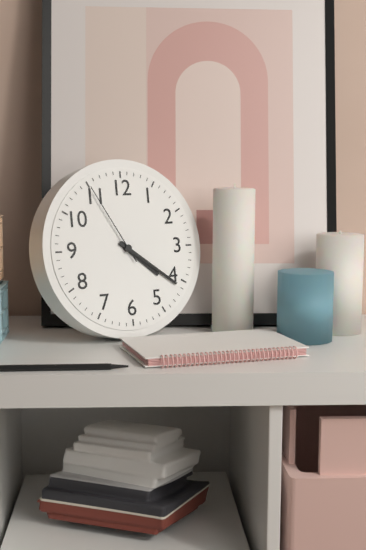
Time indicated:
4h21m55s
